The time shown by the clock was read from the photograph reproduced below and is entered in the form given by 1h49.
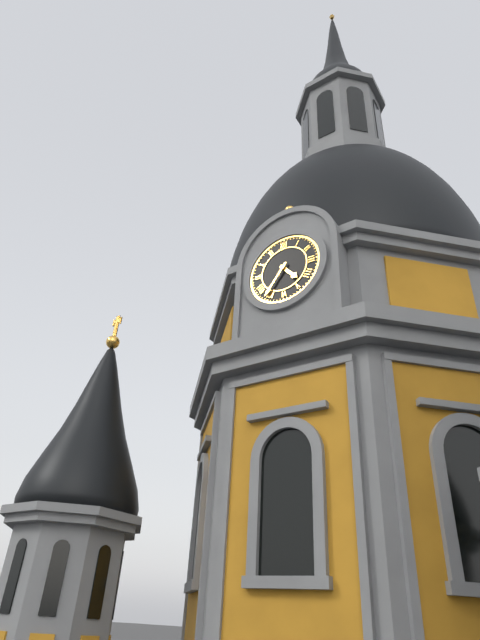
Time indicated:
4h36
